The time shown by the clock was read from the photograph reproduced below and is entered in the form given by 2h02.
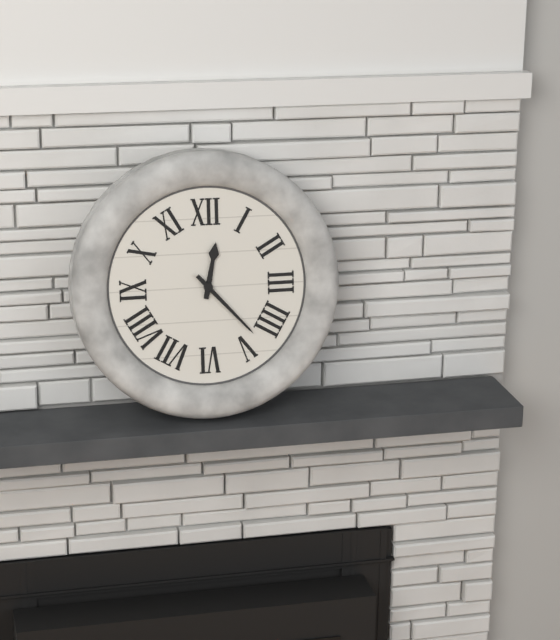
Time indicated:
12h23
